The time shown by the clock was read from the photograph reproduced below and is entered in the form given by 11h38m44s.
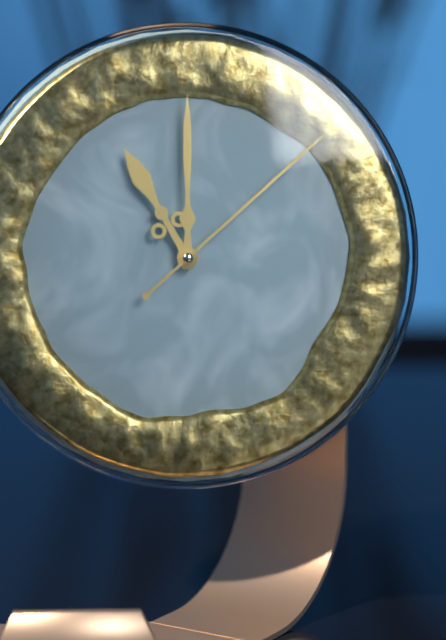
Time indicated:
11h00m08s
